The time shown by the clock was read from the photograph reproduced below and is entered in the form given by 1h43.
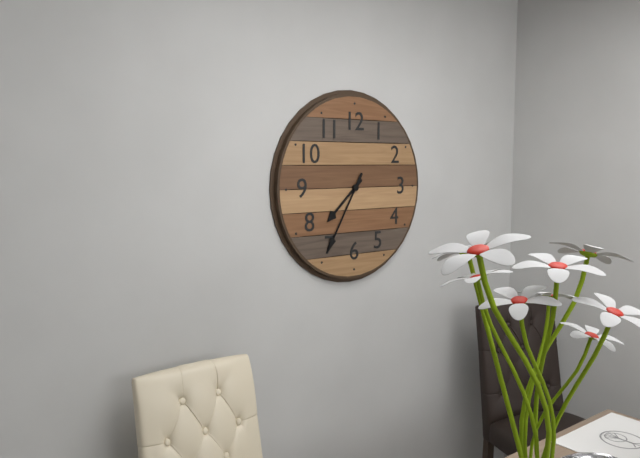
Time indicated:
7h35
